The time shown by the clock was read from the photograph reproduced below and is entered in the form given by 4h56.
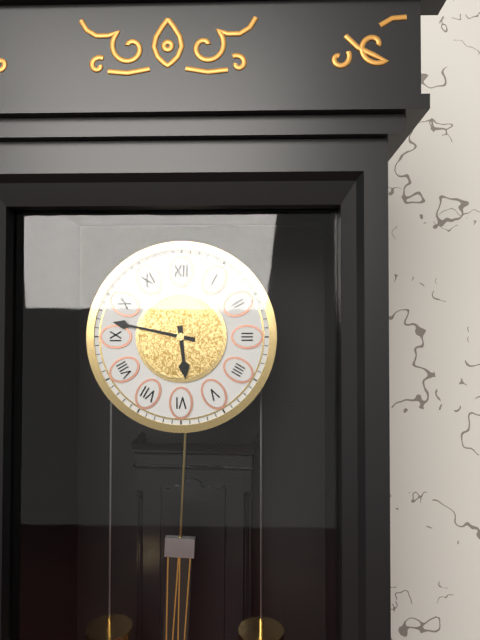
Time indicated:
5h47
